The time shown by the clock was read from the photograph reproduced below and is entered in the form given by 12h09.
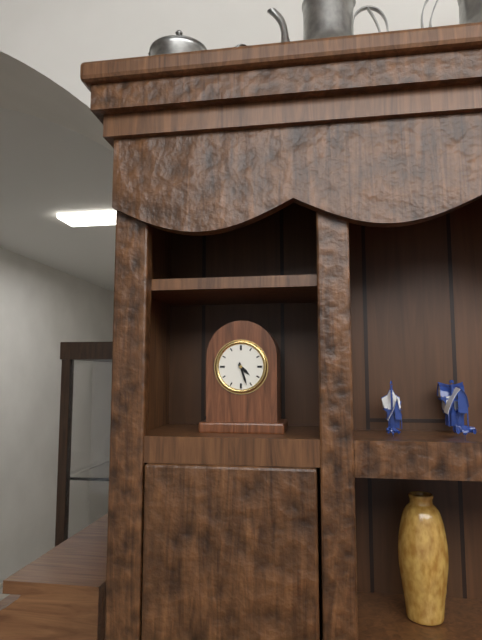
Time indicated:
4h27
